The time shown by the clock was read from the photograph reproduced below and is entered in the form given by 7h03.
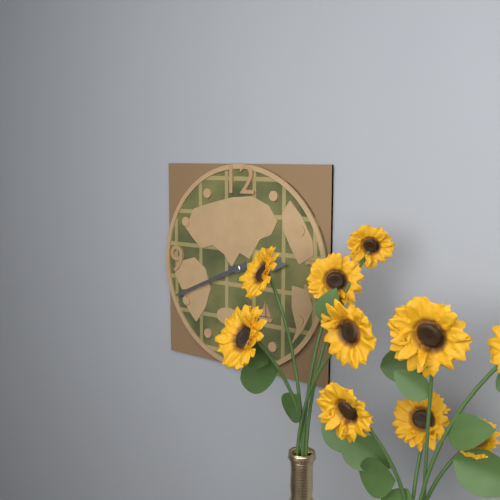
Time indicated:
2h41
